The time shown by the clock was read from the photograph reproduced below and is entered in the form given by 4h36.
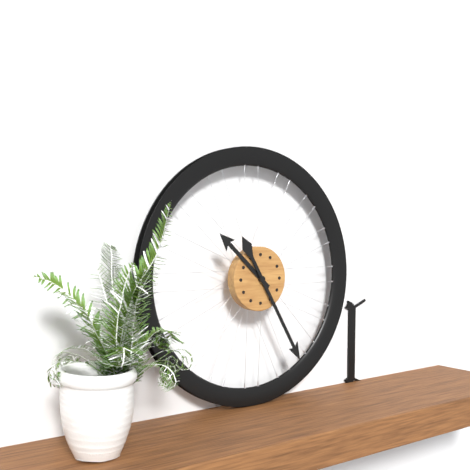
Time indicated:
10h25
